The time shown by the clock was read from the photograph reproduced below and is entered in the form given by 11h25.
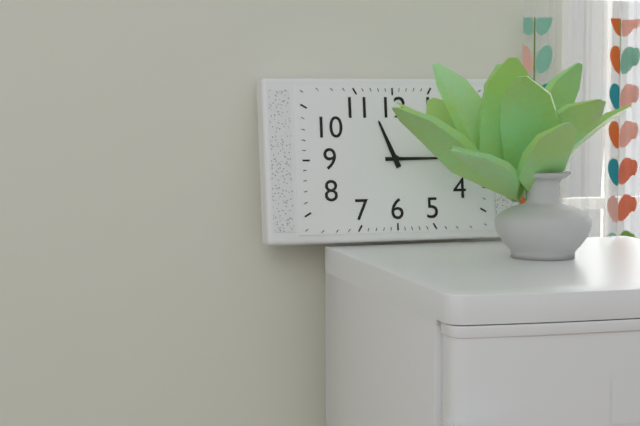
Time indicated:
11h15
